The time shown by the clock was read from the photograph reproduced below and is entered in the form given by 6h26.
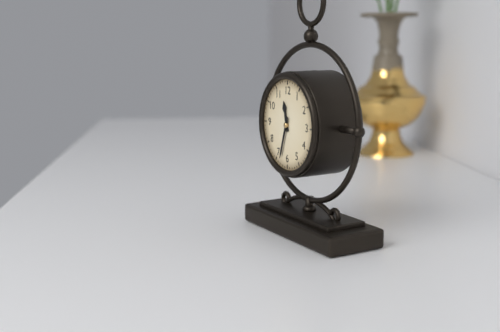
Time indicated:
11h33
